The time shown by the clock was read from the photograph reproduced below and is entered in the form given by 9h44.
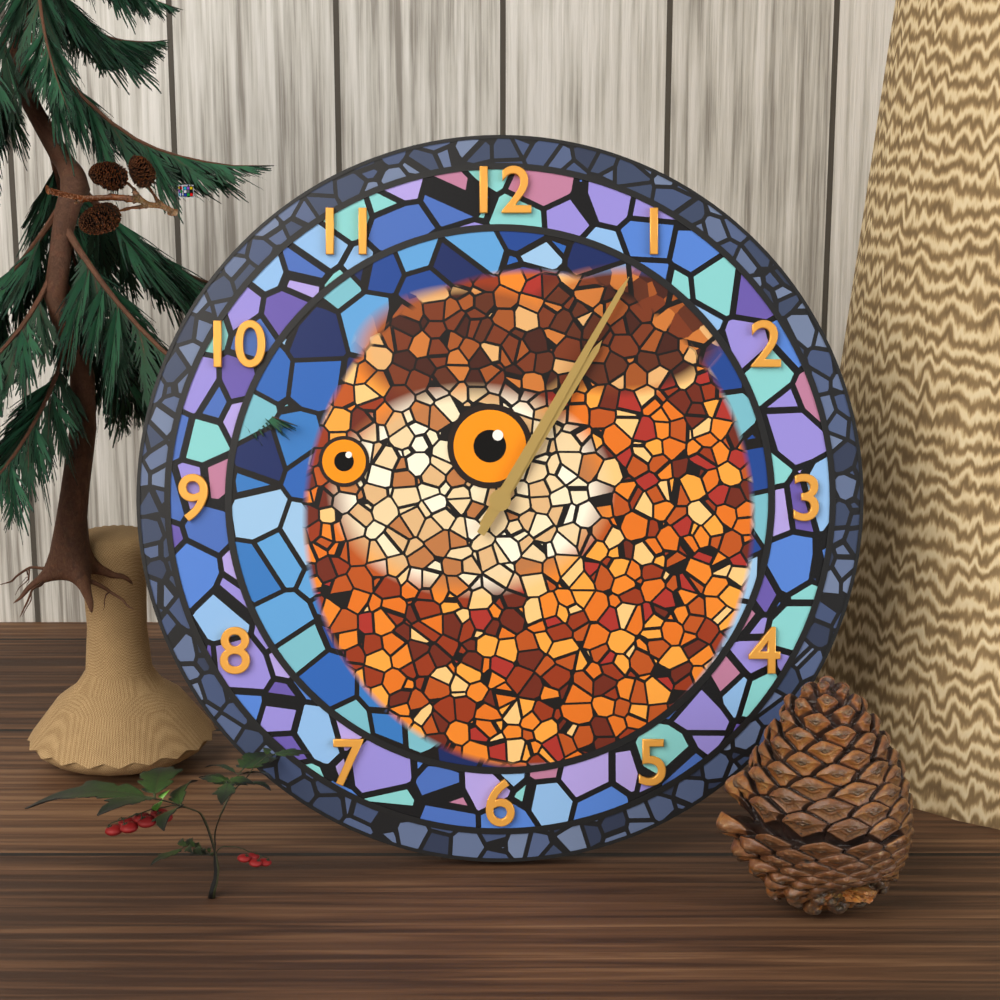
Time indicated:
1h05
